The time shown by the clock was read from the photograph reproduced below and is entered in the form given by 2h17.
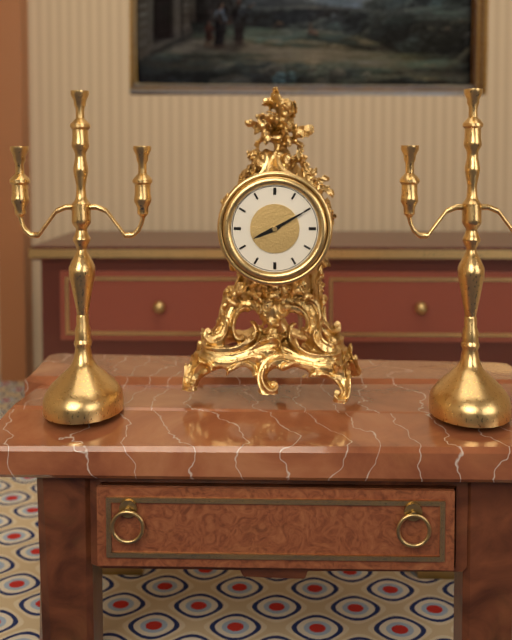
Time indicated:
8h10
